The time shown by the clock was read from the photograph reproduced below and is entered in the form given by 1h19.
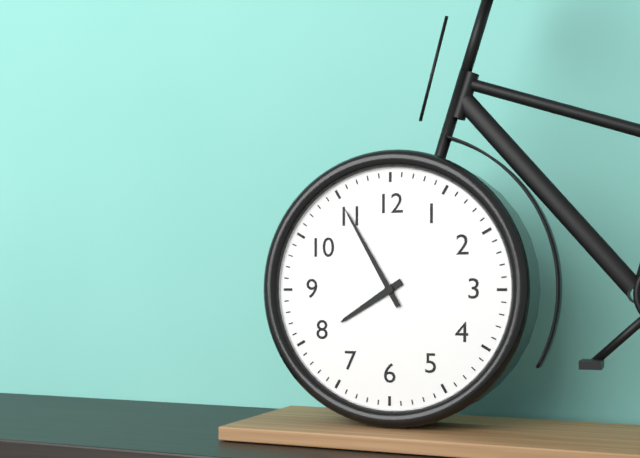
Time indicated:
7h55
